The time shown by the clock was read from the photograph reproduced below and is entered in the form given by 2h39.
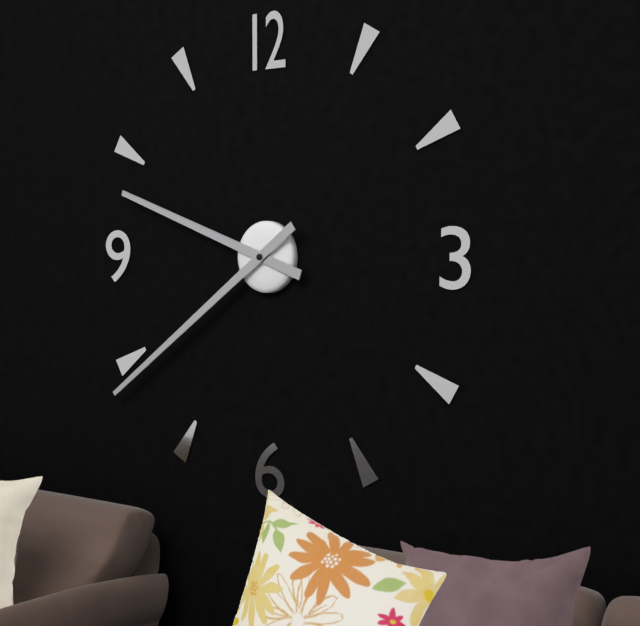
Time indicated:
9h39
